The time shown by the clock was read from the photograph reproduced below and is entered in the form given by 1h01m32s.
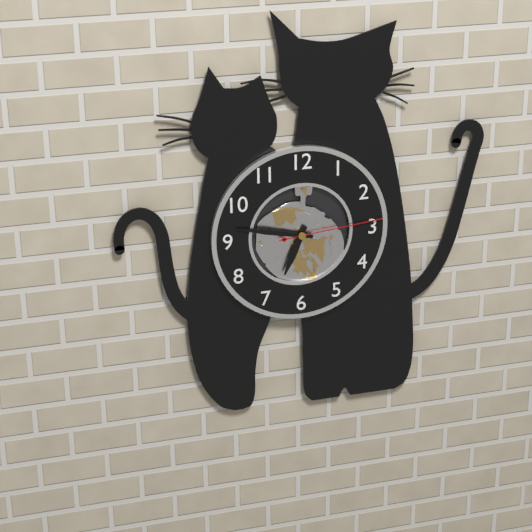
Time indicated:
6h47m14s
